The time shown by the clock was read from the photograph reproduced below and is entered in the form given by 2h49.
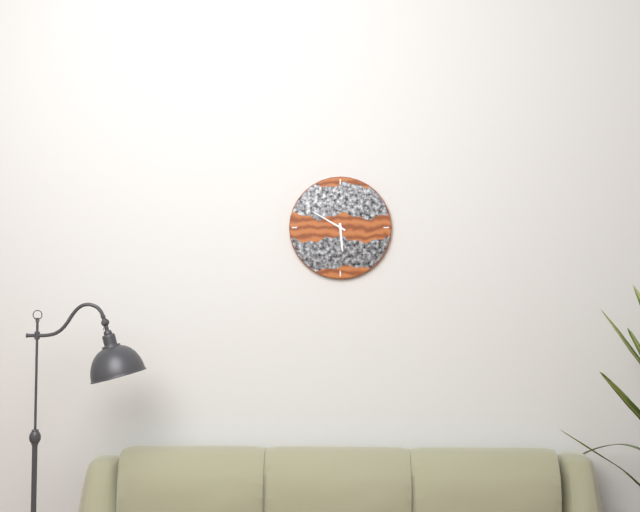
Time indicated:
5h50
